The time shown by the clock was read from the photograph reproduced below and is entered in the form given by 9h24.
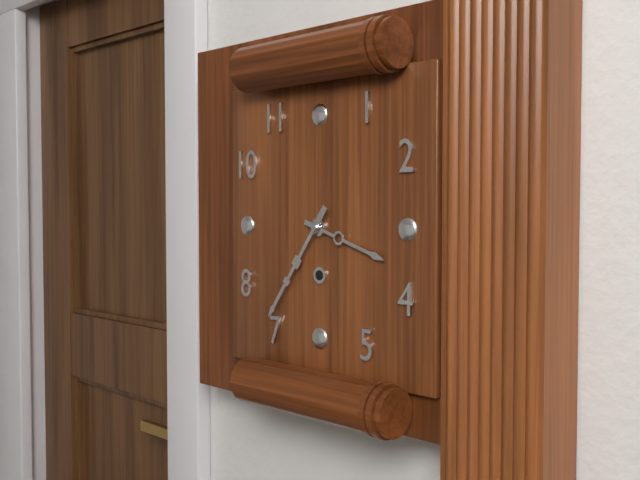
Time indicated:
3h36
